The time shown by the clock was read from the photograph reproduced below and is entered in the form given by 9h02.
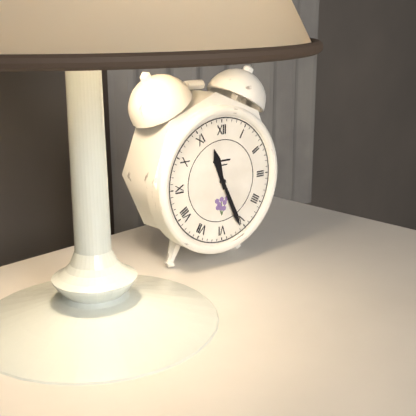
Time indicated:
11h26
